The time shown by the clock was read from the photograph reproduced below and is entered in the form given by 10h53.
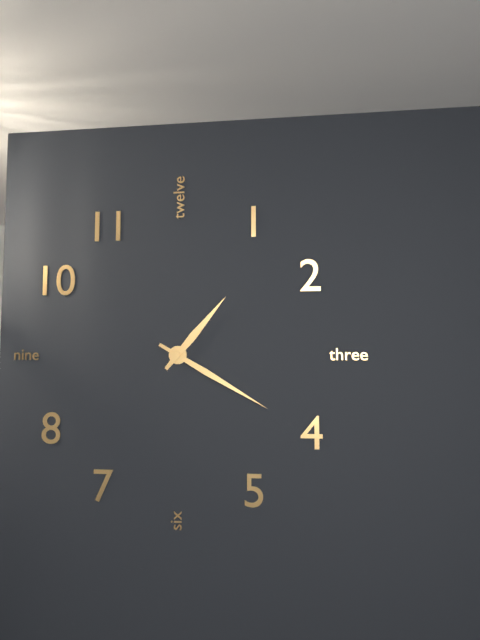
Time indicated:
1h20
